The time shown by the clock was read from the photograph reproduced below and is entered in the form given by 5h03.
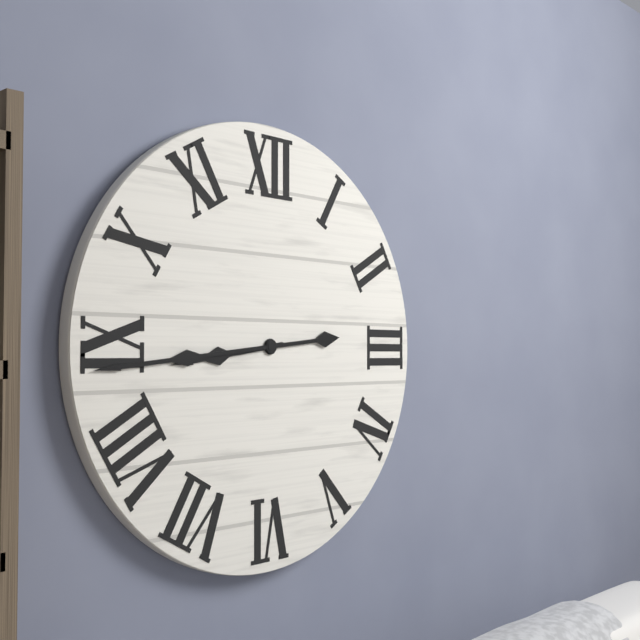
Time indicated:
8h44
